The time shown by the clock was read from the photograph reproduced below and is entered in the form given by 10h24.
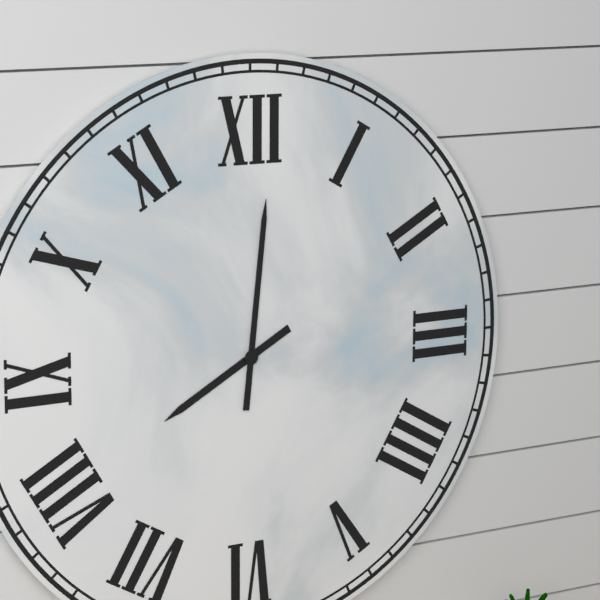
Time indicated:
8h01
